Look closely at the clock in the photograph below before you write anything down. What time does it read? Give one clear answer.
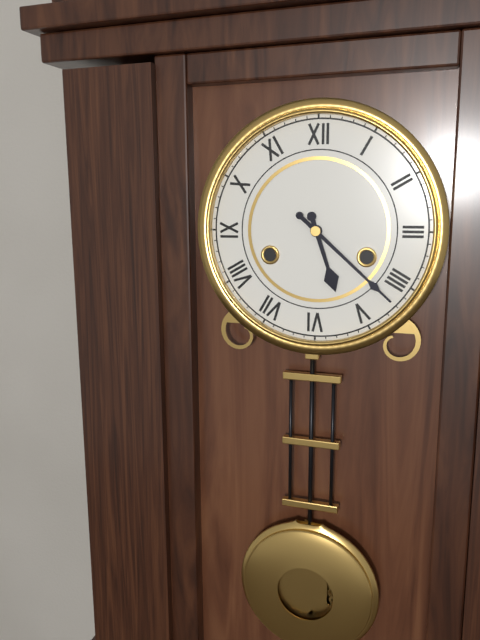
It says 5:22
